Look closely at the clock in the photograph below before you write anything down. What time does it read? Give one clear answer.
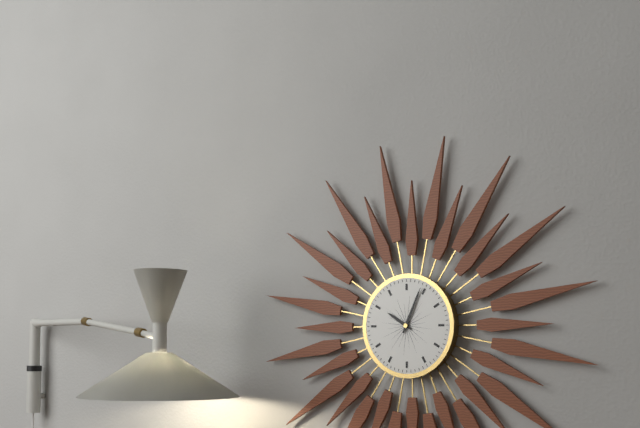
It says 10:04
